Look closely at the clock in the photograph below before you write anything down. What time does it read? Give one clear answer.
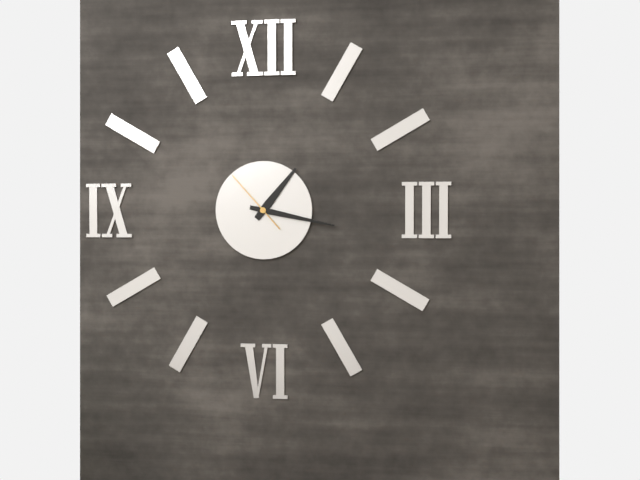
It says 1:17:53
